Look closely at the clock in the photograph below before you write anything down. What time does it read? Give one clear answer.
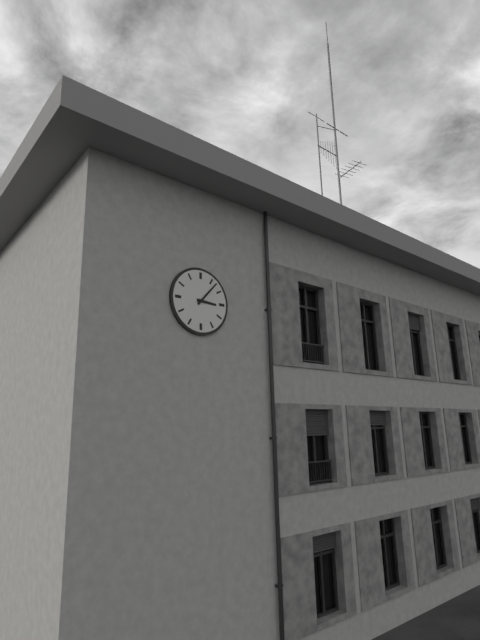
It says 3:07
